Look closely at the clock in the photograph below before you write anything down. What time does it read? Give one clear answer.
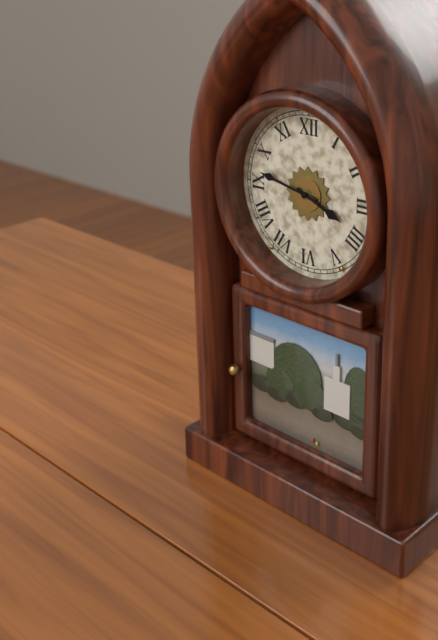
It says 3:47
